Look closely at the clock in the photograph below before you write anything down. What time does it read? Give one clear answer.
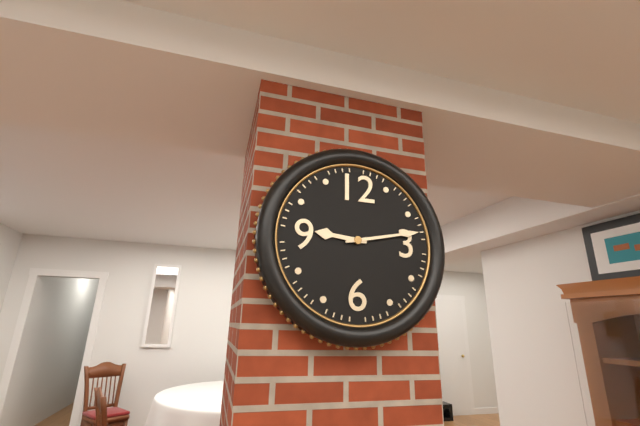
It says 9:13
